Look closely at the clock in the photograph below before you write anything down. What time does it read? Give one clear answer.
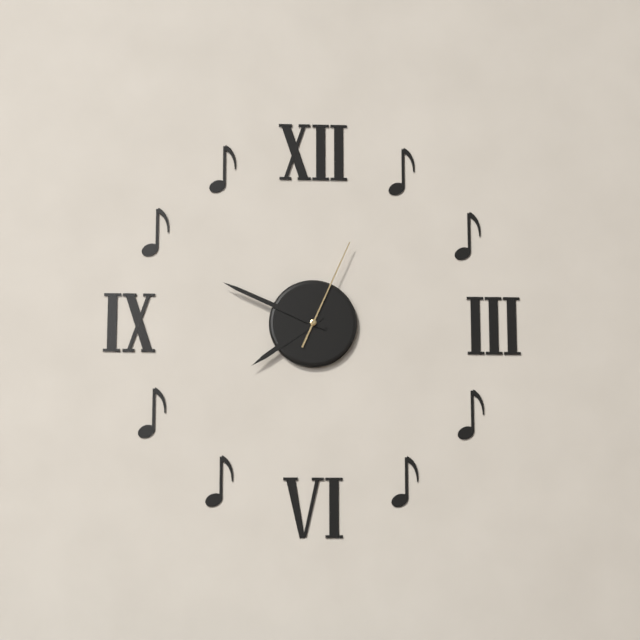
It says 7:49:04
